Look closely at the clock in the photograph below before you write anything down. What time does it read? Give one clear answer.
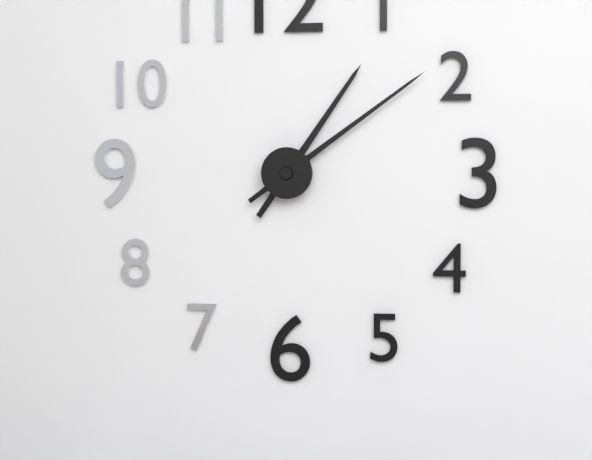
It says 1:09
